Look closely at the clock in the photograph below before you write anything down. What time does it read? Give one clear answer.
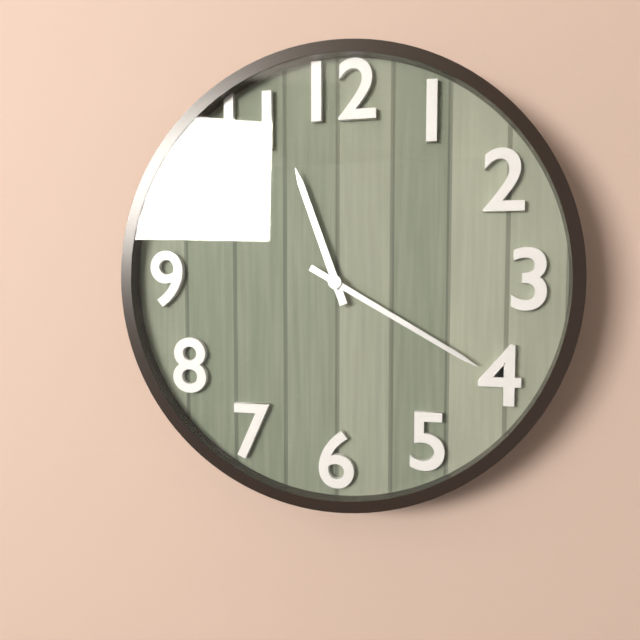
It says 11:20
